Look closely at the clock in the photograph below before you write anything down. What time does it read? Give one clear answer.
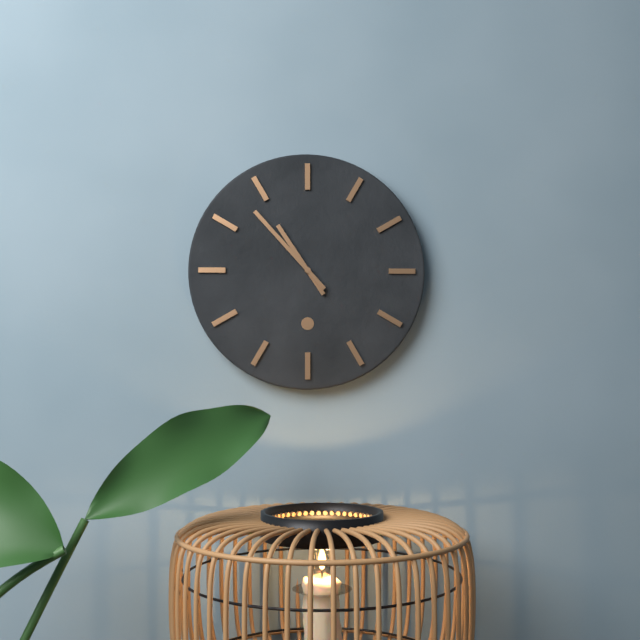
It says 10:53
